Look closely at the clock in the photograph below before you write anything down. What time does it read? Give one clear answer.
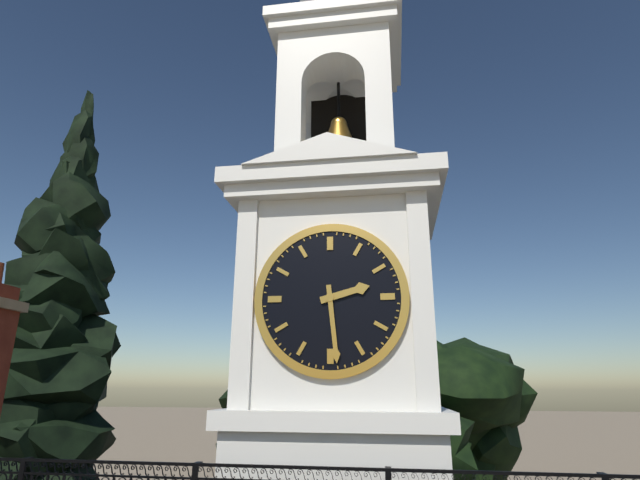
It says 2:29
